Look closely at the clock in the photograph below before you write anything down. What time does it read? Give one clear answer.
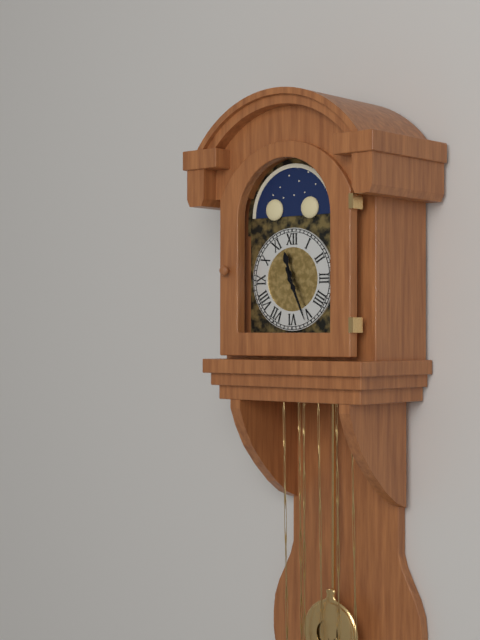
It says 11:26
